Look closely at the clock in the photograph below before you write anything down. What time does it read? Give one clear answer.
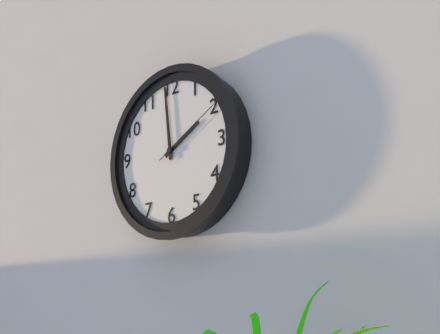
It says 1:59:10
